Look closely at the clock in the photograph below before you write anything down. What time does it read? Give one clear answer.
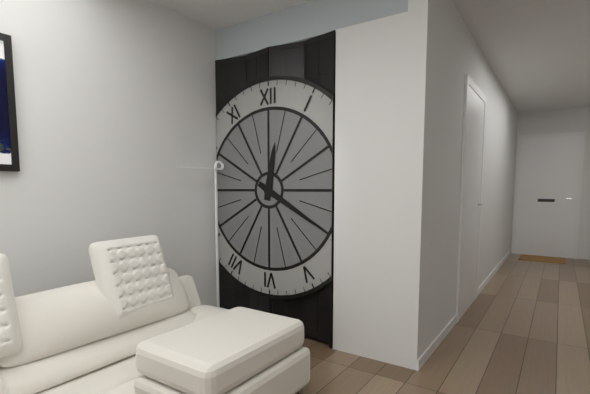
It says 12:20
